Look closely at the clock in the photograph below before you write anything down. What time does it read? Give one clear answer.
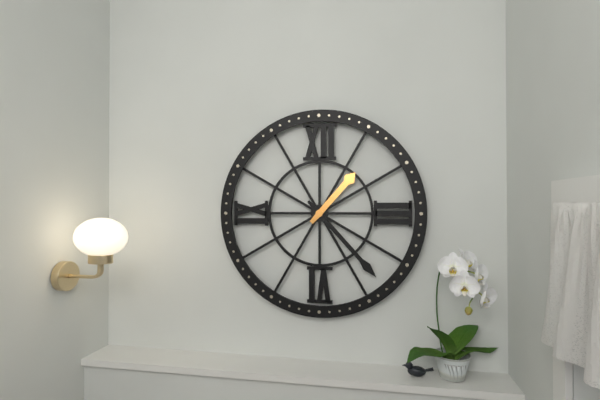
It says 1:23
